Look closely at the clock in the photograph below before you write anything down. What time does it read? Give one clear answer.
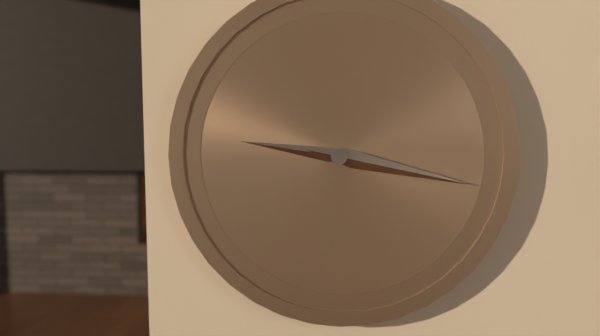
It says 9:17
